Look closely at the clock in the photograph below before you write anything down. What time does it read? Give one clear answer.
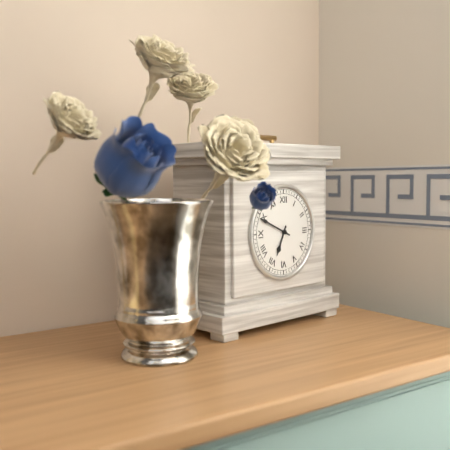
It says 6:49
